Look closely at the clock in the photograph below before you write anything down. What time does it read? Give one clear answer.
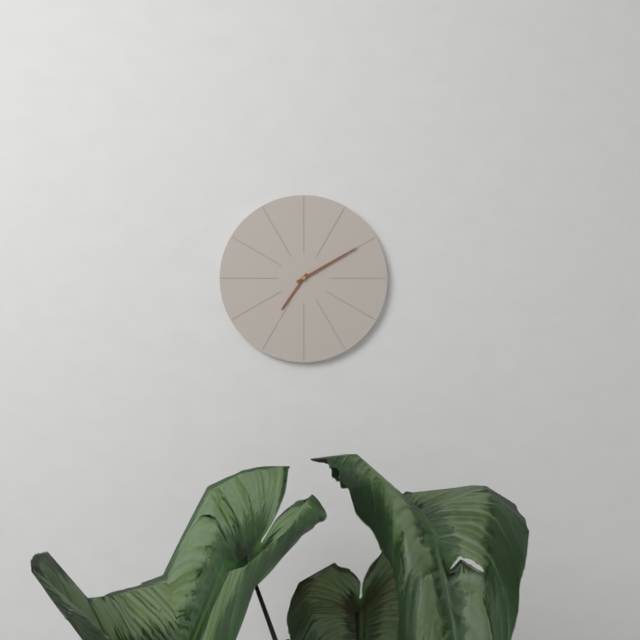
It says 7:10
